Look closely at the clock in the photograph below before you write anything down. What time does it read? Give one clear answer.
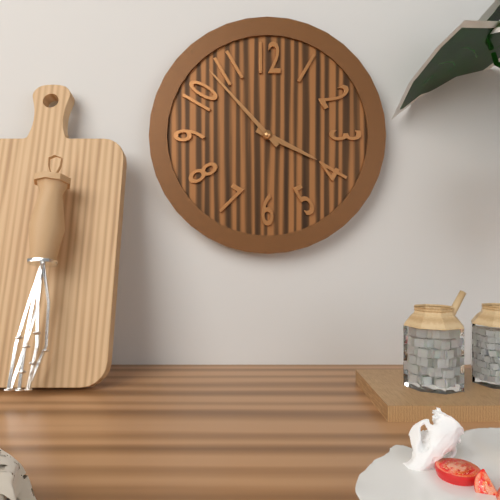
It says 3:53
